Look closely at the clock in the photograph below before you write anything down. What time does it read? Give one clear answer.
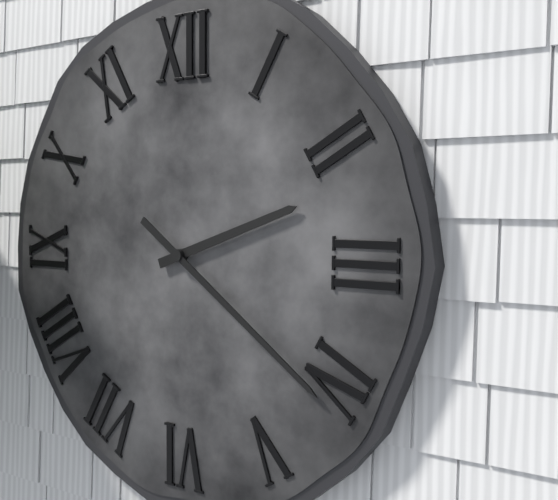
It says 2:21
